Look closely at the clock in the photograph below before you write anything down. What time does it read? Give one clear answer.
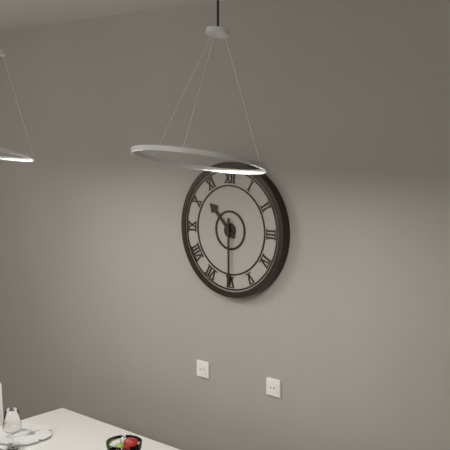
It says 10:30
